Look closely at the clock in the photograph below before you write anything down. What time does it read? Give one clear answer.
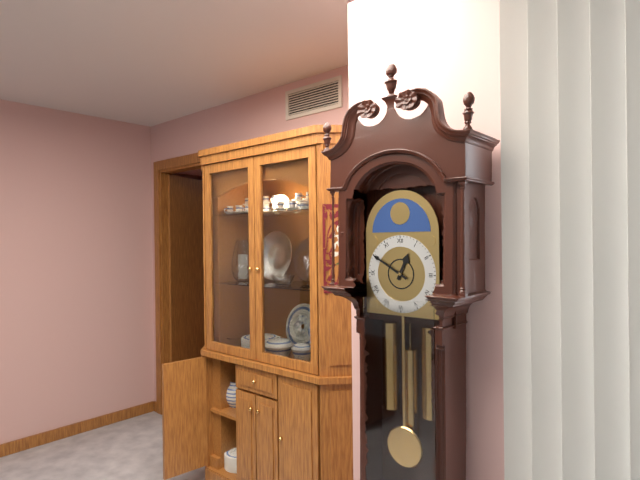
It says 12:50
